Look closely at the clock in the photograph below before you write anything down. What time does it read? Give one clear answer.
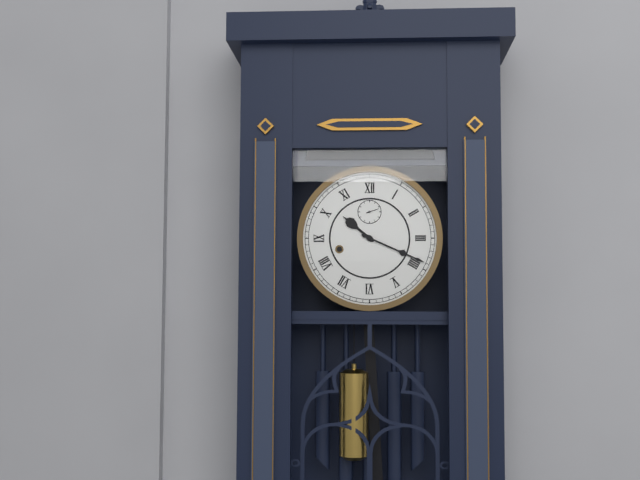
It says 10:19
